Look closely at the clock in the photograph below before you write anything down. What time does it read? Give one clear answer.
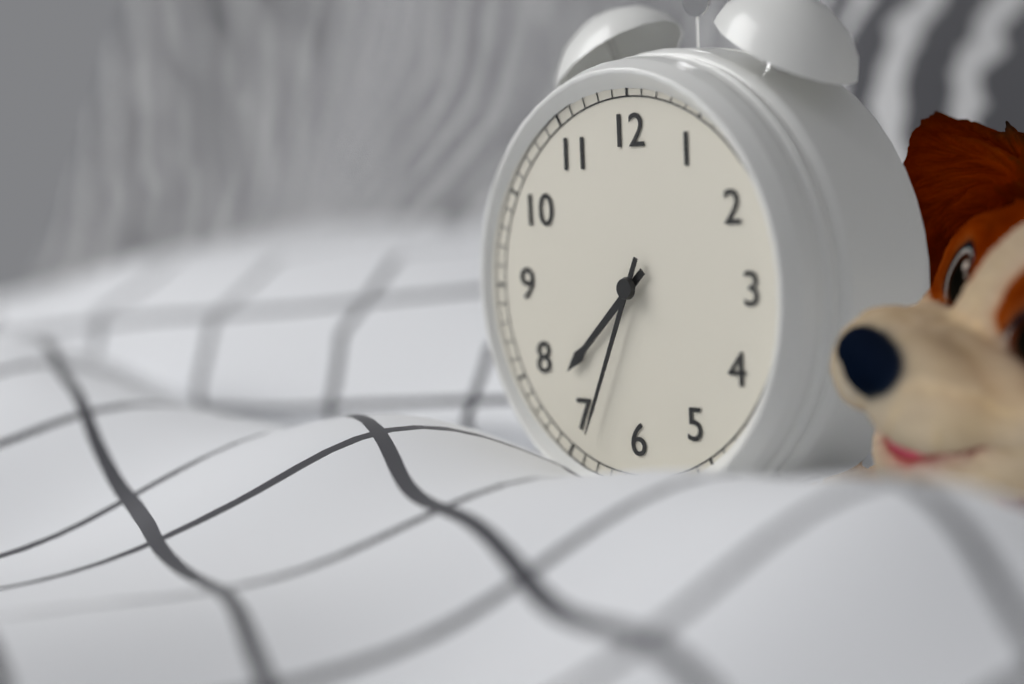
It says 7:34
